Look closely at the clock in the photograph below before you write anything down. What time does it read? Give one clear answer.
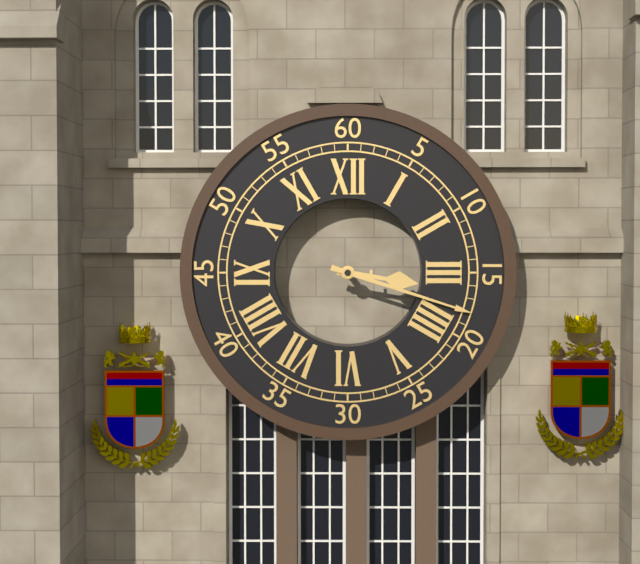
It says 3:18
